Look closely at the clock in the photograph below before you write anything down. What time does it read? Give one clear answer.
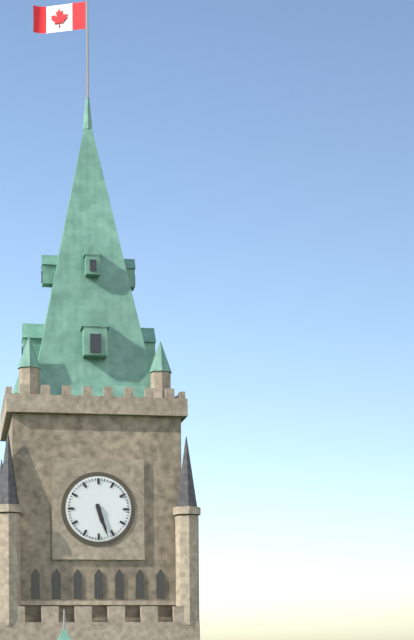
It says 5:27
